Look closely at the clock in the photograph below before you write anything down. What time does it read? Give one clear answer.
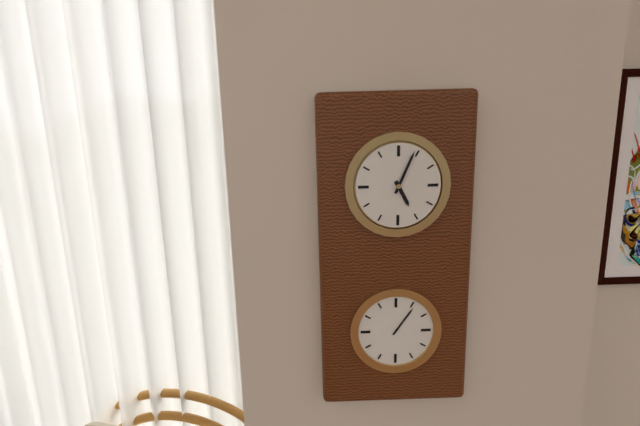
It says 5:04
